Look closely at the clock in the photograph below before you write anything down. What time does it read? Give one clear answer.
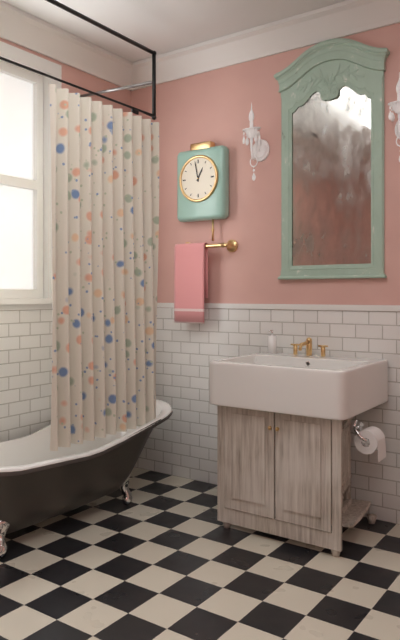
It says 12:58
